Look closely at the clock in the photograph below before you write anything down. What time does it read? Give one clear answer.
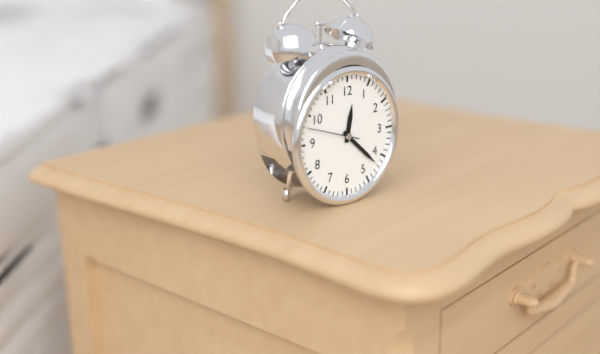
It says 12:22:48
